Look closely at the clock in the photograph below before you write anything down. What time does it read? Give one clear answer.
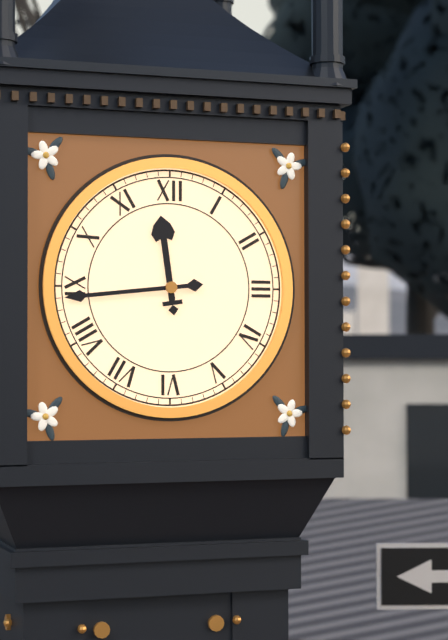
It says 11:44
